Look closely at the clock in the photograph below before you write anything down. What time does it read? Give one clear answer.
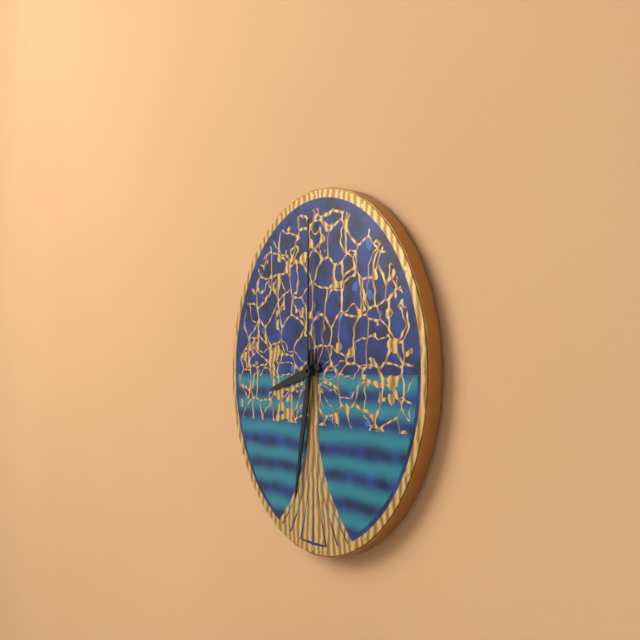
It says 8:32:00
